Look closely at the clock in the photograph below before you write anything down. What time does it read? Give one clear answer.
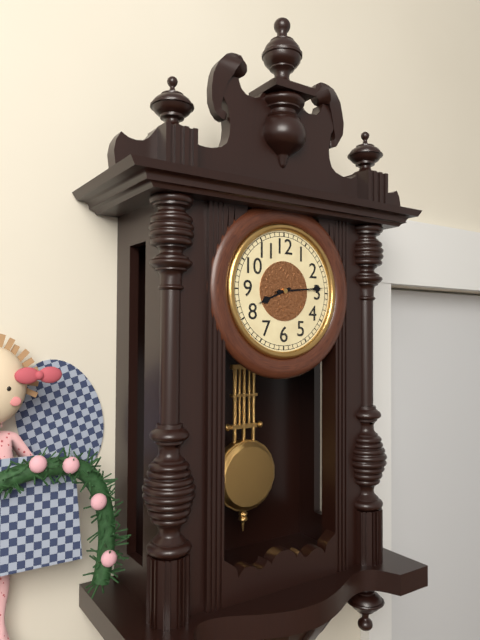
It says 8:14
